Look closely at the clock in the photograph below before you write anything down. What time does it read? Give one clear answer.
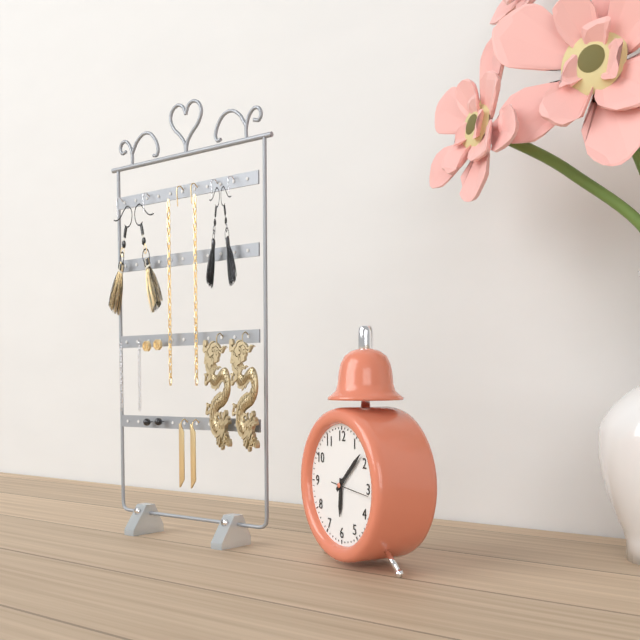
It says 6:08
